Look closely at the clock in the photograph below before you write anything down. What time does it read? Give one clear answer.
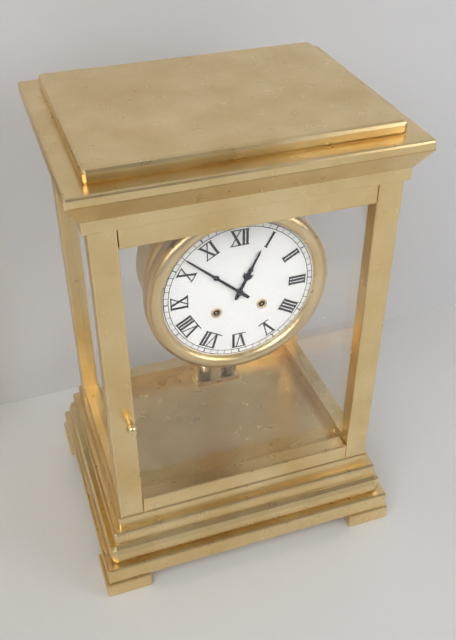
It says 12:52
